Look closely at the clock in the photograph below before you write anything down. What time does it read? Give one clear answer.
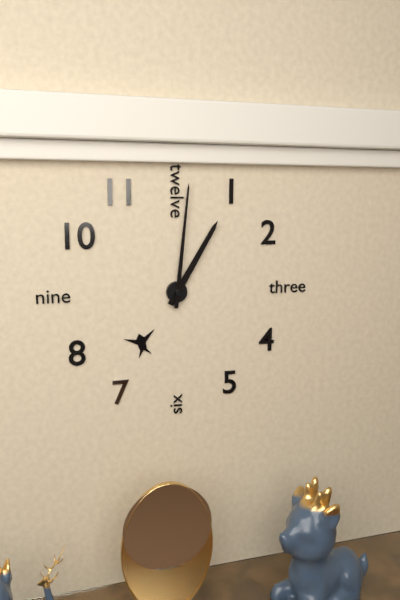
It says 1:01
